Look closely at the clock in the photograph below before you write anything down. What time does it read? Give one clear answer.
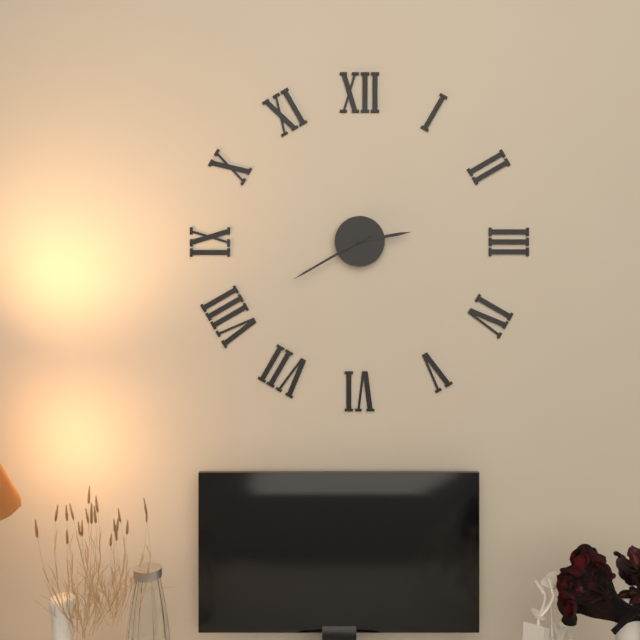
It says 2:40
